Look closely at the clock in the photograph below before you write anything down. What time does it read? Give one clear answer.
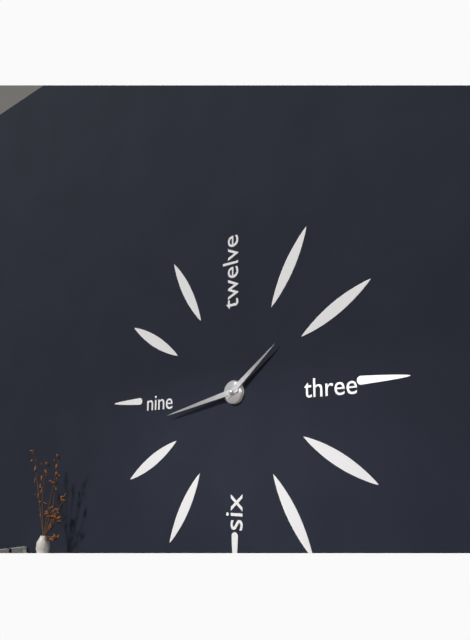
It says 1:43
